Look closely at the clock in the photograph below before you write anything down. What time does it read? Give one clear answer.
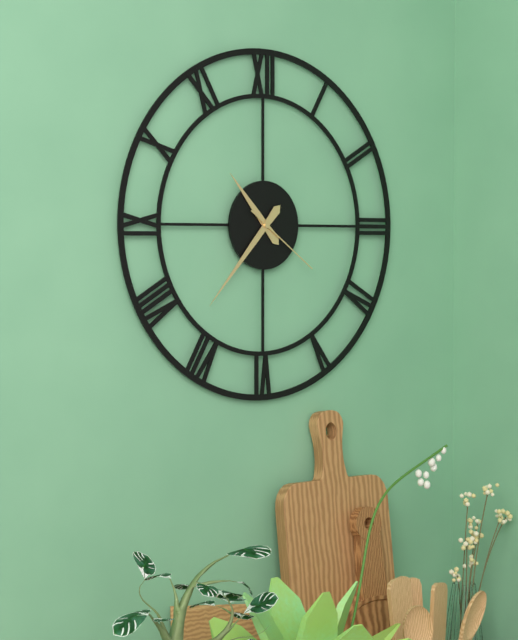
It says 10:37:21
